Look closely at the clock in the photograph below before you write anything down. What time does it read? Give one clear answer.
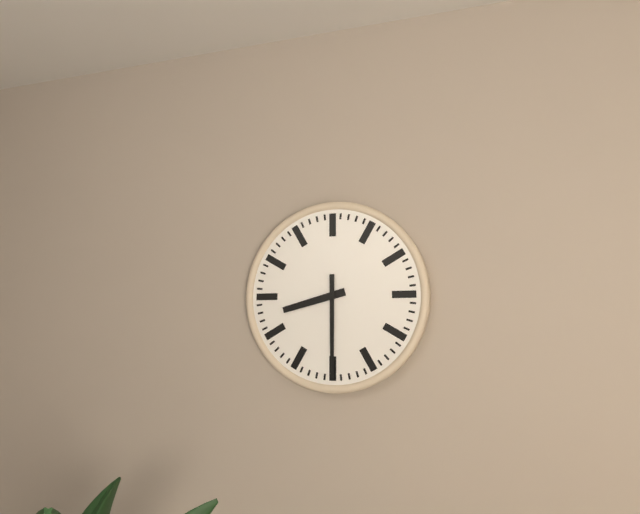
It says 8:30
